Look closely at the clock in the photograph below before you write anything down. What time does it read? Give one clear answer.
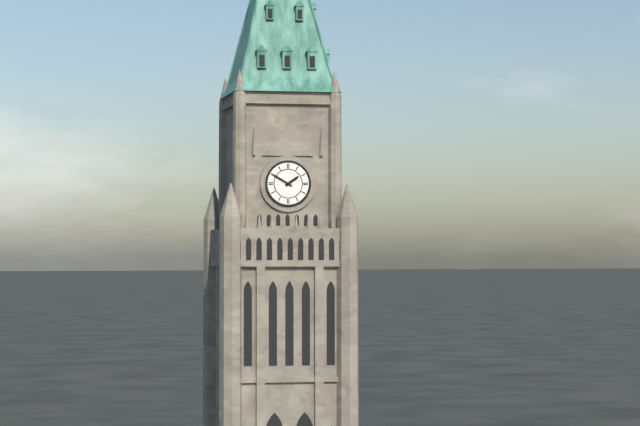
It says 1:50
